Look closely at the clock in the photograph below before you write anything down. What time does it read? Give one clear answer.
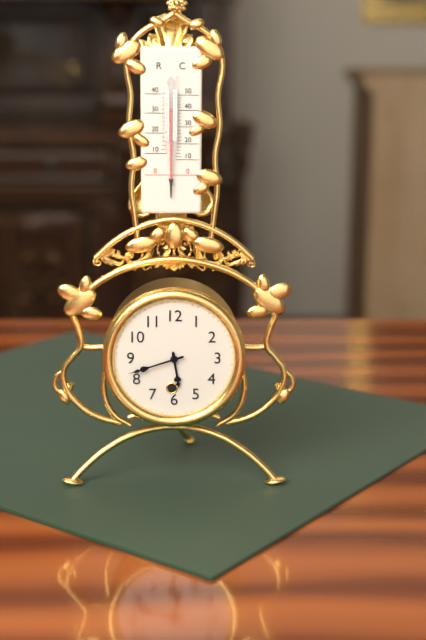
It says 5:42
